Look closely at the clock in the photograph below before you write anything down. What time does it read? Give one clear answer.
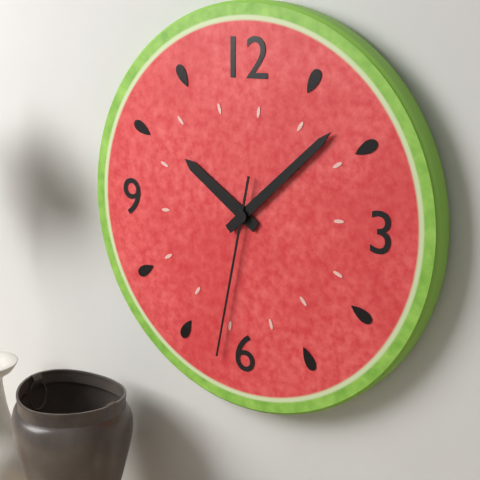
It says 10:08:32
